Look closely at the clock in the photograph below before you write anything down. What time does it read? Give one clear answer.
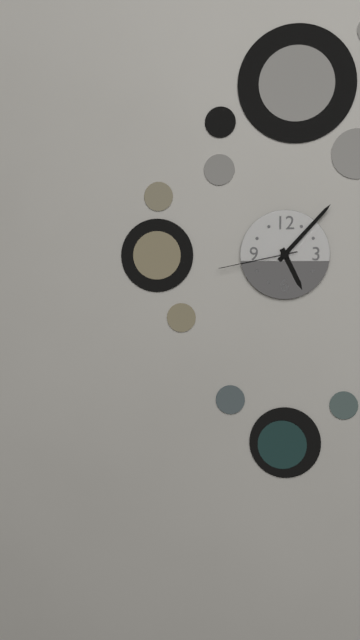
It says 5:07:43
